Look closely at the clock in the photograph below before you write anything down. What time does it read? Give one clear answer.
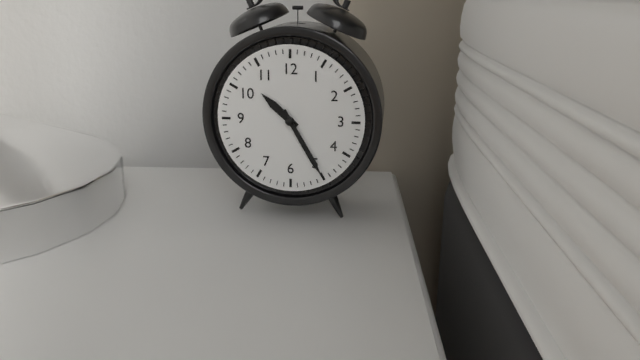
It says 10:25
